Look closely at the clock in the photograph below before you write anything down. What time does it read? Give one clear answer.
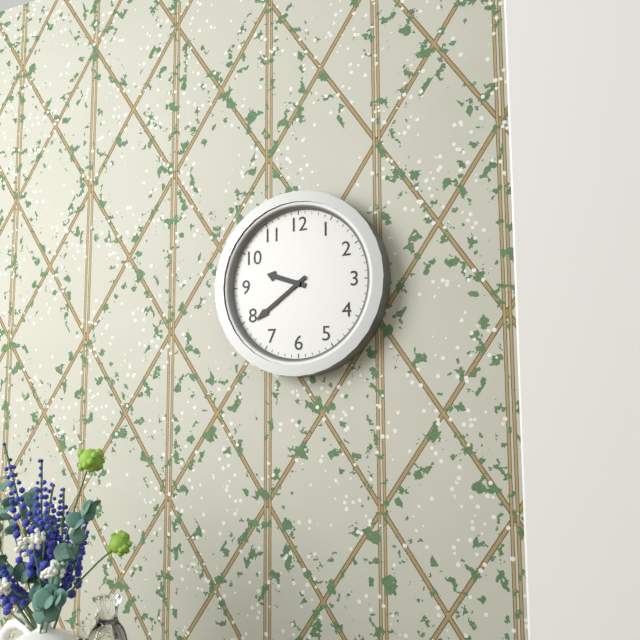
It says 9:39
